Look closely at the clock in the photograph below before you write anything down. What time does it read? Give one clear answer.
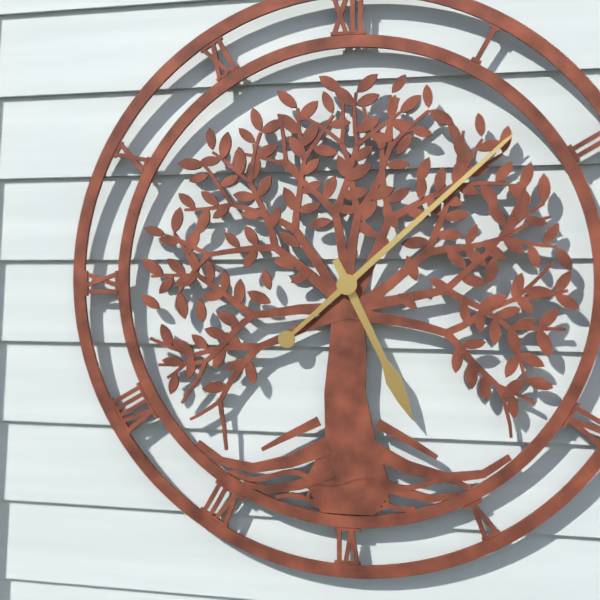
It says 5:08
